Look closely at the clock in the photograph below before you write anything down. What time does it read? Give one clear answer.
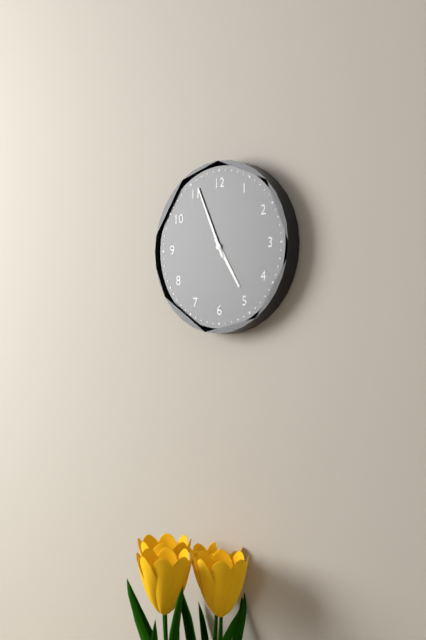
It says 4:56
